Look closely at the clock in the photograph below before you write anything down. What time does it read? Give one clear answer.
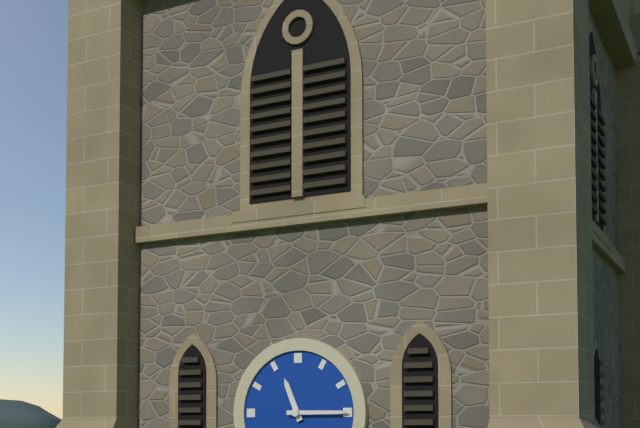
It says 11:15
